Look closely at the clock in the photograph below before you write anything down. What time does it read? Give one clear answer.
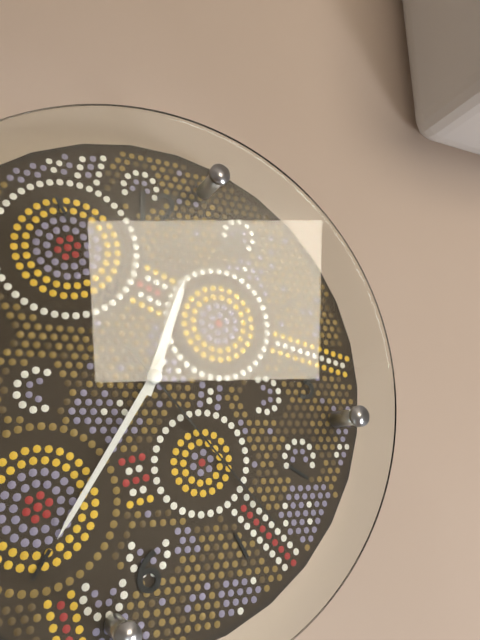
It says 12:35:23
